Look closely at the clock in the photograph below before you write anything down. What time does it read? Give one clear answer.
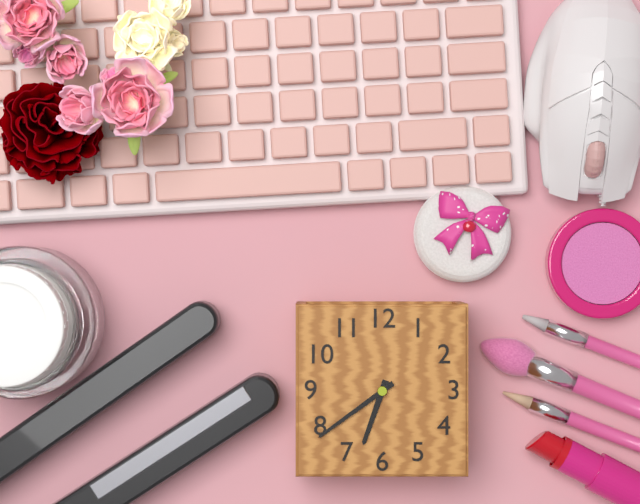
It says 6:39
